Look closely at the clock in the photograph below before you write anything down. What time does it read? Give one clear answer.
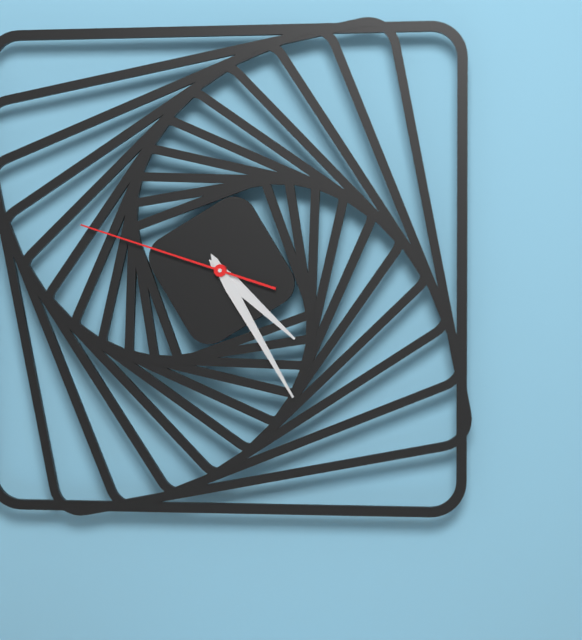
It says 4:25:48
